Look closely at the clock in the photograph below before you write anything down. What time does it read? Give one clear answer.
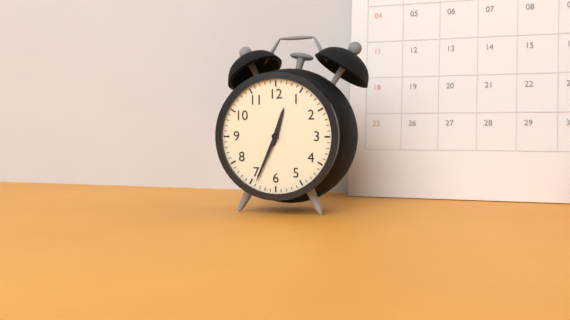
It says 12:34
